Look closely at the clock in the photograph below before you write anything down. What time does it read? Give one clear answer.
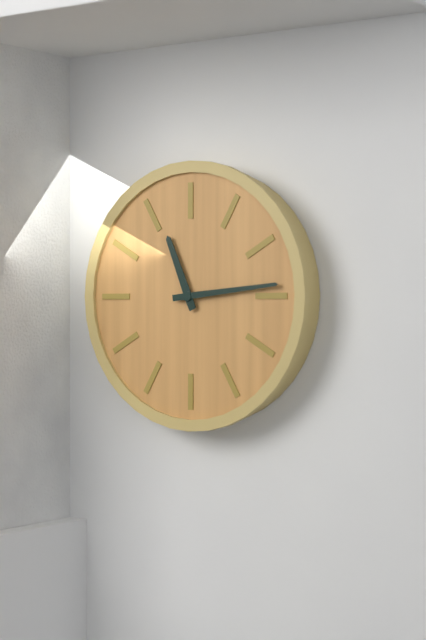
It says 11:14
